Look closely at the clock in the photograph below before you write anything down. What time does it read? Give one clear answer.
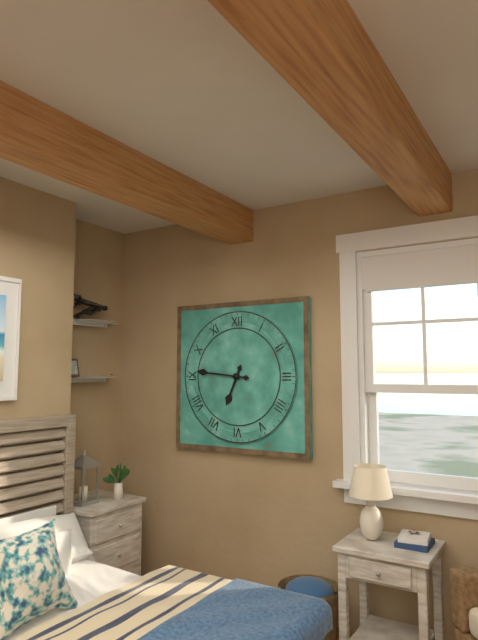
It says 6:46
